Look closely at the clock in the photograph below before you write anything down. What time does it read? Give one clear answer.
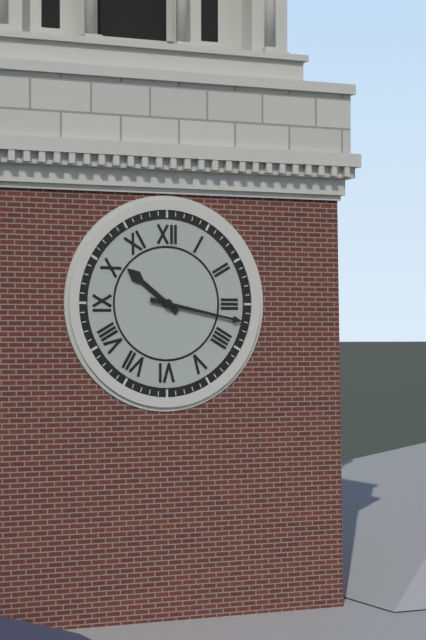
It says 10:17
